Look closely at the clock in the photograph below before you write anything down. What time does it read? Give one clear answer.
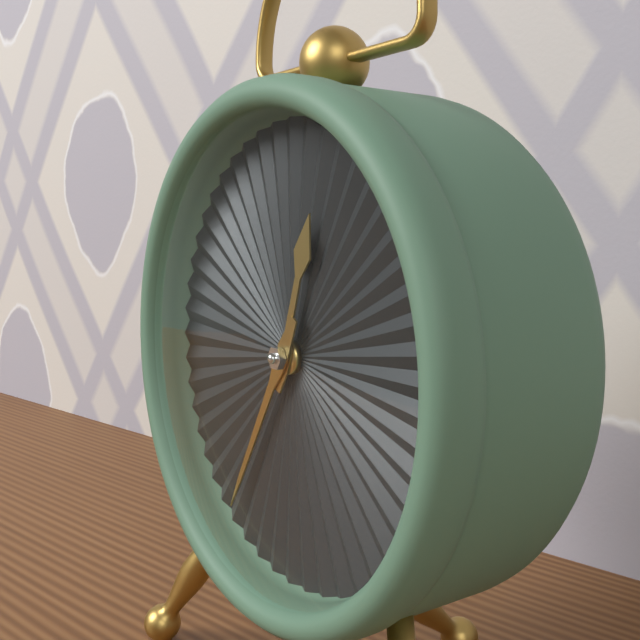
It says 12:35
